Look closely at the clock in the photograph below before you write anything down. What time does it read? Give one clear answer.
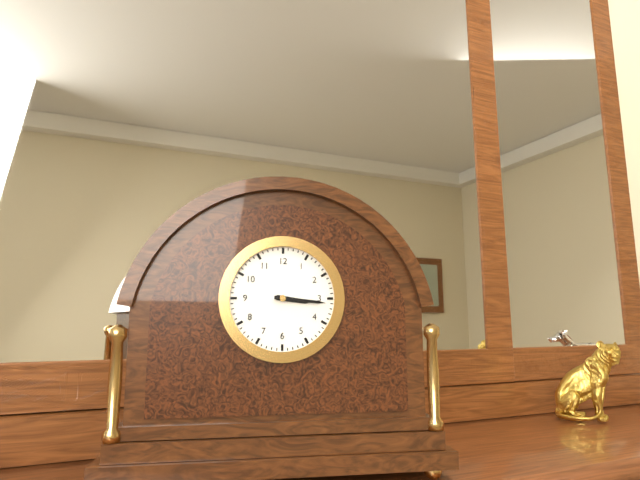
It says 3:16
